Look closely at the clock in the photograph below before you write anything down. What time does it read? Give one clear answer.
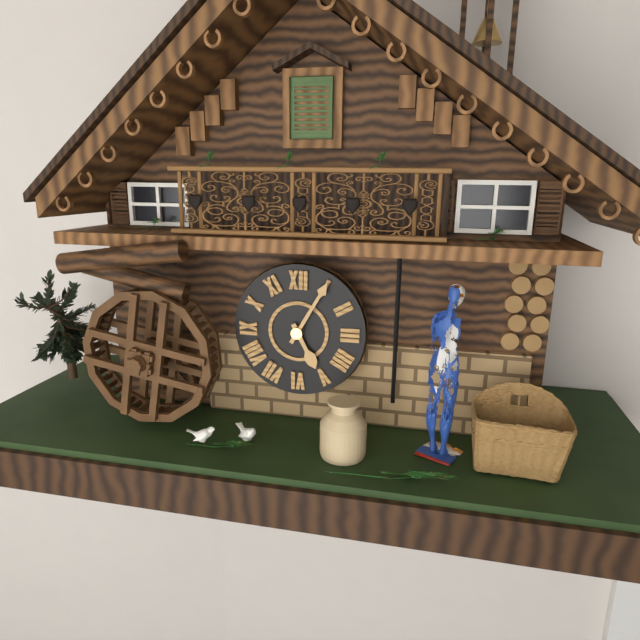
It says 5:05
